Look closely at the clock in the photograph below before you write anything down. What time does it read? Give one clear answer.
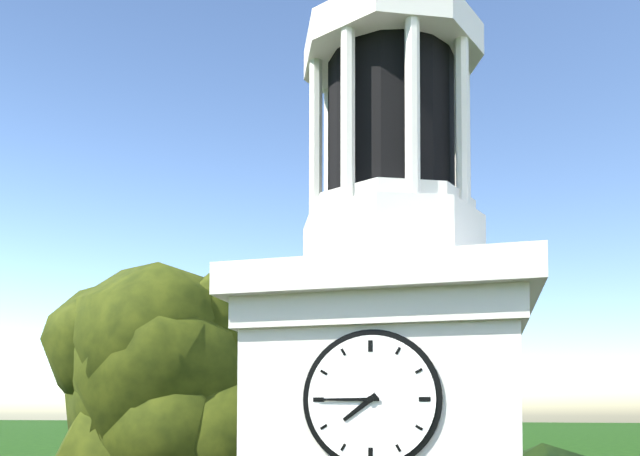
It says 7:45
